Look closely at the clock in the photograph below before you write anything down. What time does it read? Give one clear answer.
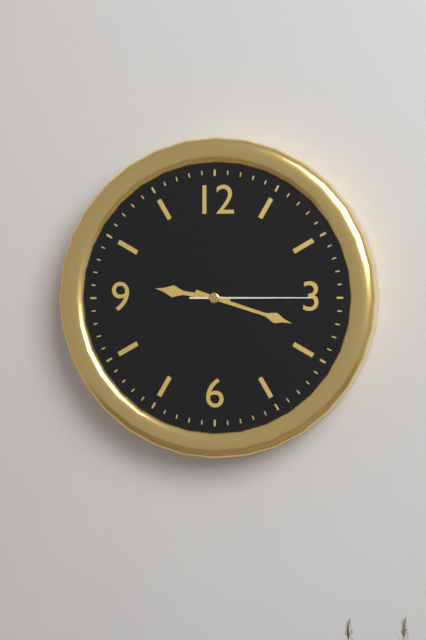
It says 9:18:15
